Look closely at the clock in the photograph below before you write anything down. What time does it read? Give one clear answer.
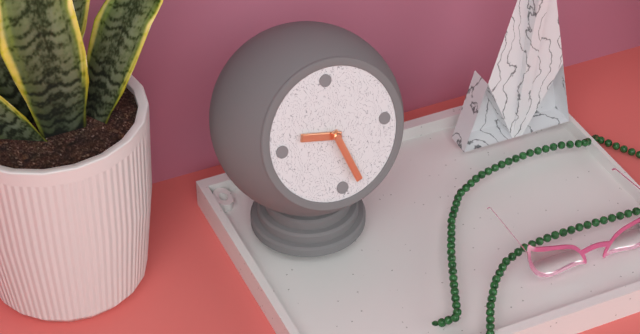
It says 9:27
